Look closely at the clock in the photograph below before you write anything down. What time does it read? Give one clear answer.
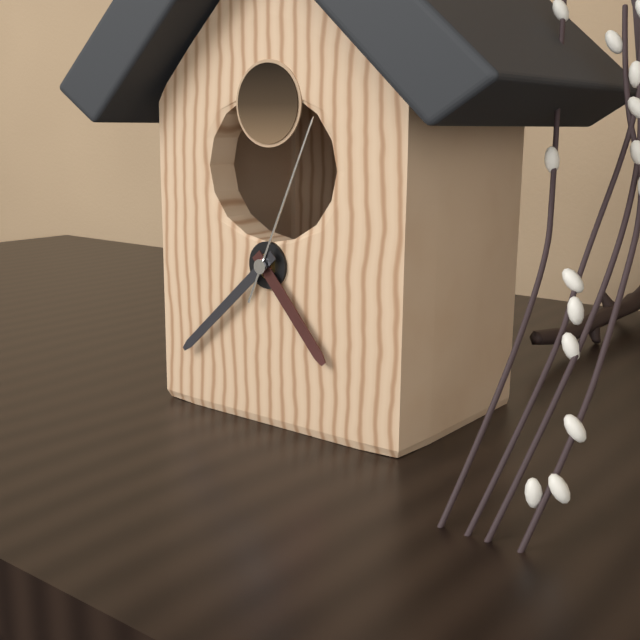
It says 4:38:04
